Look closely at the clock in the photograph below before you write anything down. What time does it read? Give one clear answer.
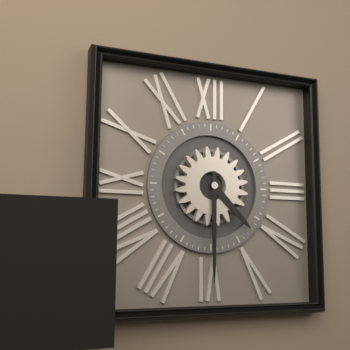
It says 4:30
